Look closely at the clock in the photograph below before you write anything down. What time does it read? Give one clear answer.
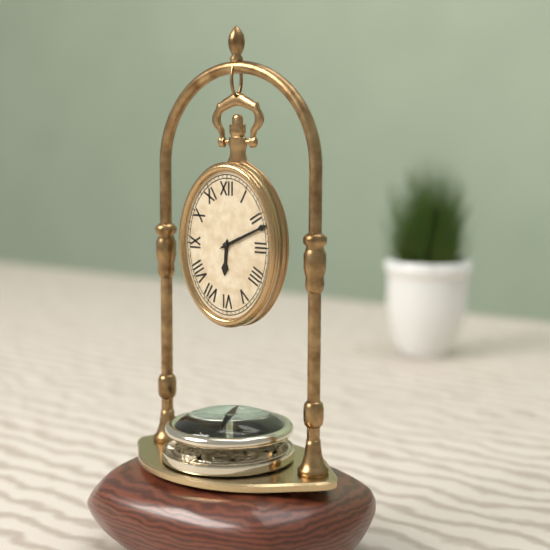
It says 6:11
